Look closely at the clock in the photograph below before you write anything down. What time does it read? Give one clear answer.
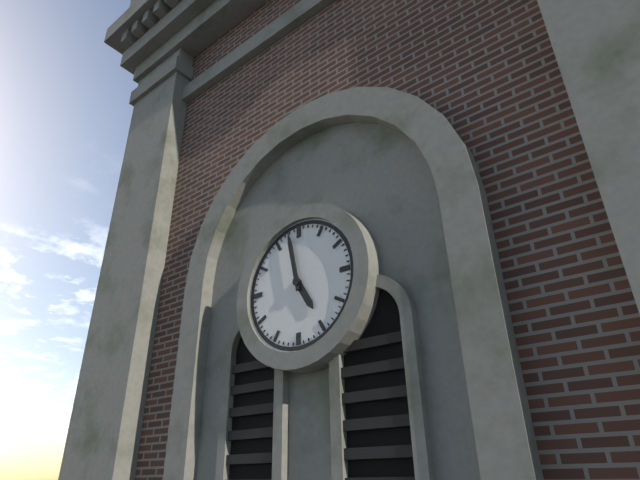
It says 4:58
